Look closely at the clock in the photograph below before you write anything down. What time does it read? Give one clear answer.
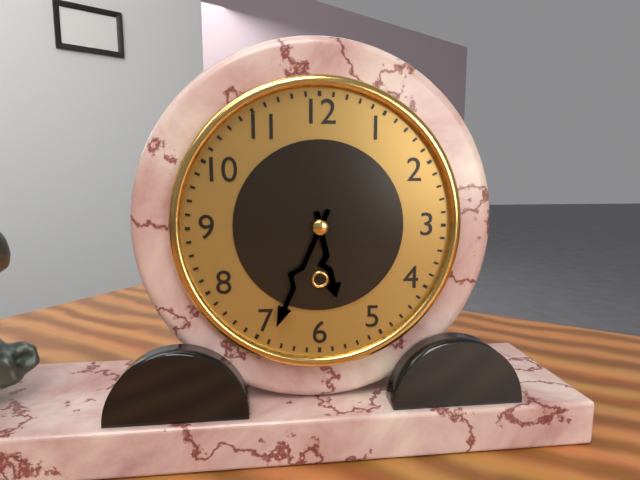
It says 5:34
